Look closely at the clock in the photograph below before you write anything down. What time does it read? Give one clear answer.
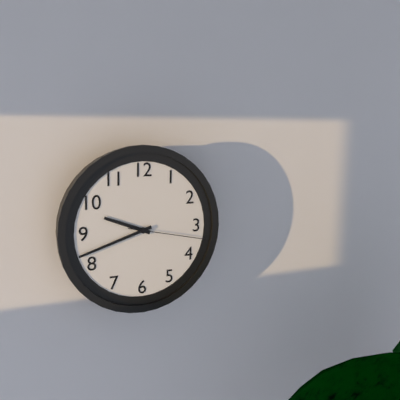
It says 9:42:17
